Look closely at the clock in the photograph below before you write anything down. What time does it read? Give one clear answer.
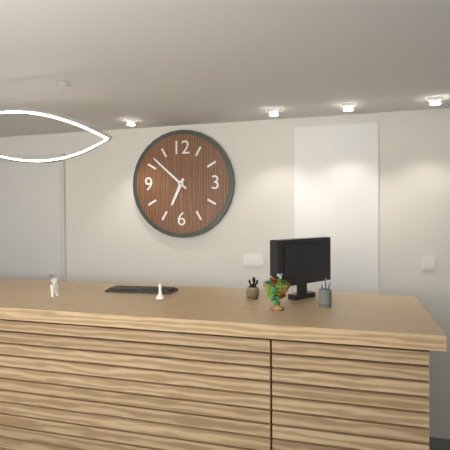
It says 6:52
